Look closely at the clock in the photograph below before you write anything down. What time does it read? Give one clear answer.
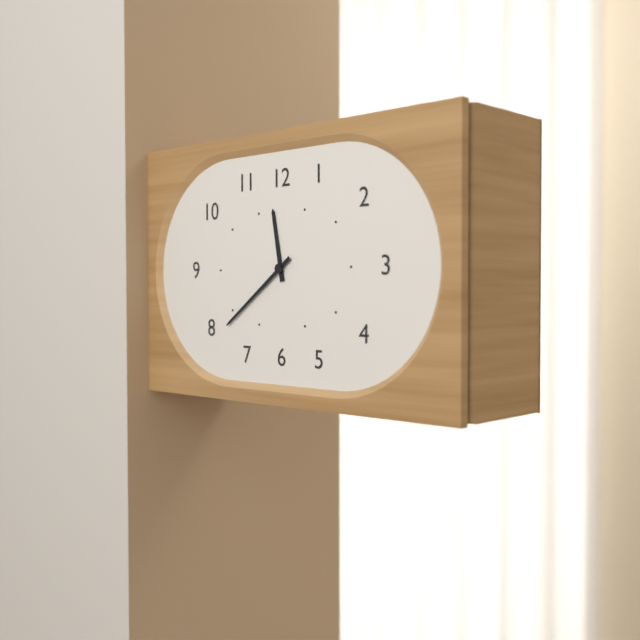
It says 11:39
